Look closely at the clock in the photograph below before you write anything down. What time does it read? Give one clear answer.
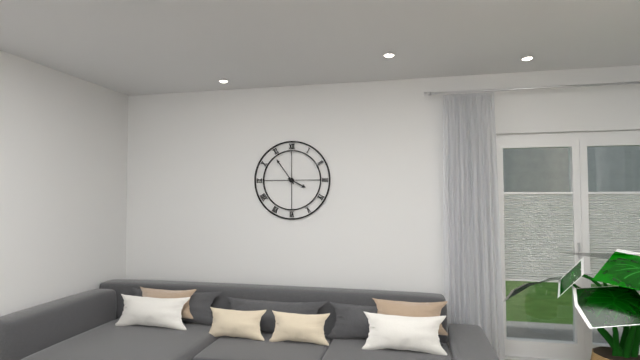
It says 3:54
